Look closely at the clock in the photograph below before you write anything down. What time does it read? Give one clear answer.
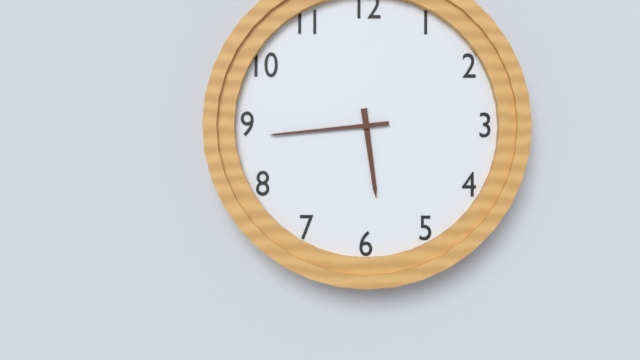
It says 5:44
